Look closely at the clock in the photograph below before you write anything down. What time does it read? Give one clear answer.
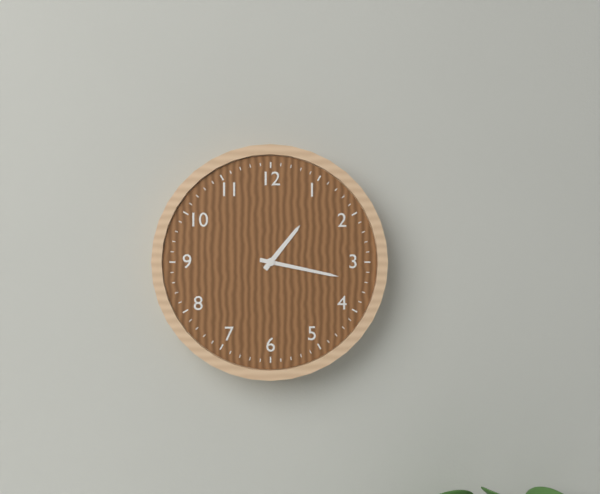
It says 1:17
